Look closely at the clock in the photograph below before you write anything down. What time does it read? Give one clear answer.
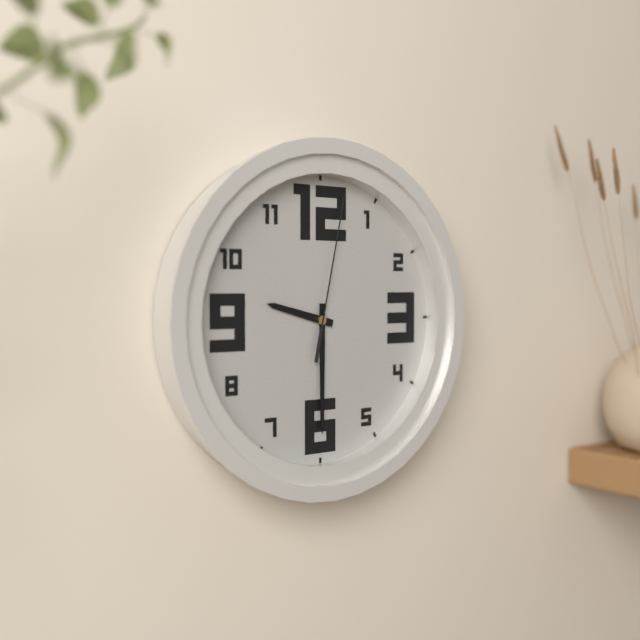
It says 9:30:02
